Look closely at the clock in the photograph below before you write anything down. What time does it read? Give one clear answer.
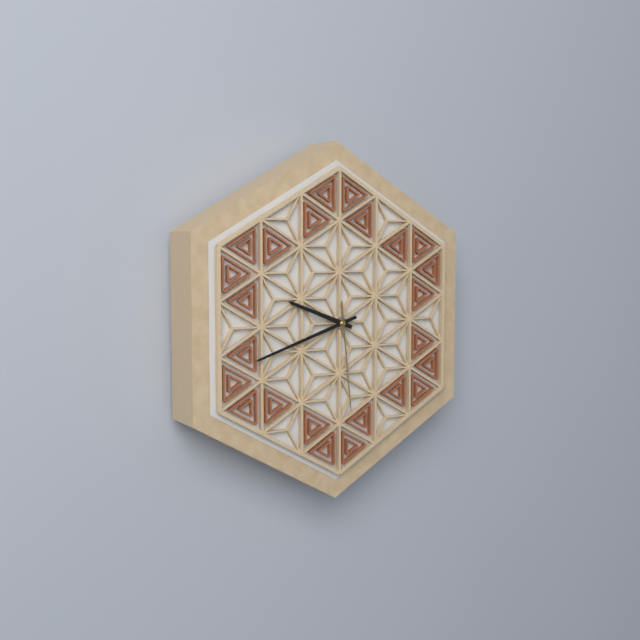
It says 9:42:29
